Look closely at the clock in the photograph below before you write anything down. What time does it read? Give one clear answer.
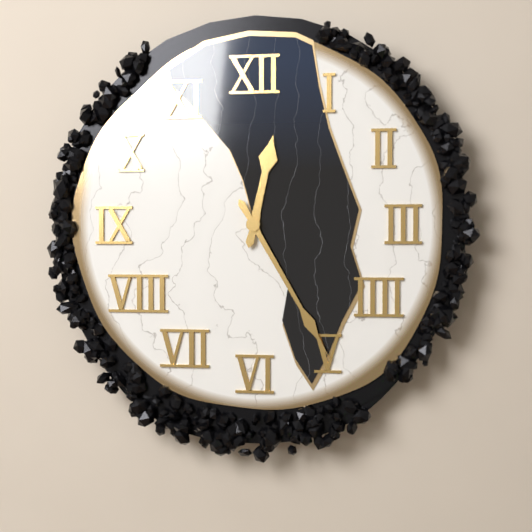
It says 12:25
